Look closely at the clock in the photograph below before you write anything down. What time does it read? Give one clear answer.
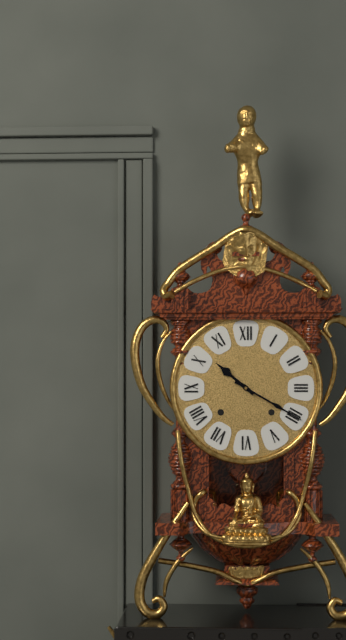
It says 10:20
